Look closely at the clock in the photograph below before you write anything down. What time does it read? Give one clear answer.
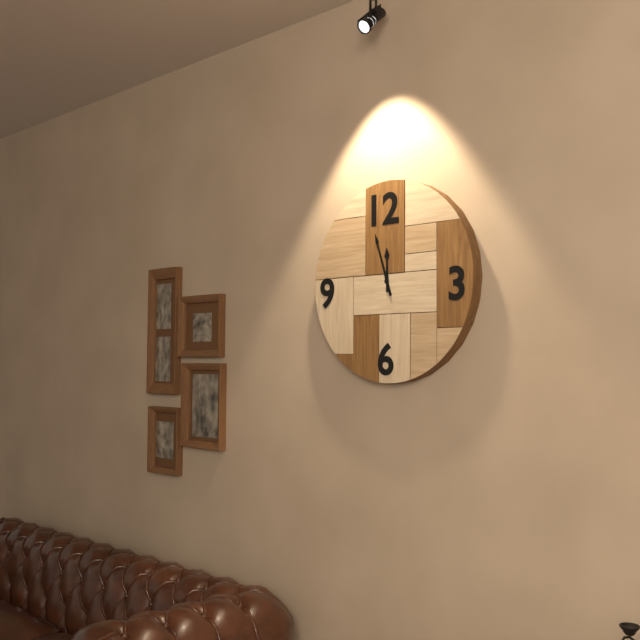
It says 11:57
